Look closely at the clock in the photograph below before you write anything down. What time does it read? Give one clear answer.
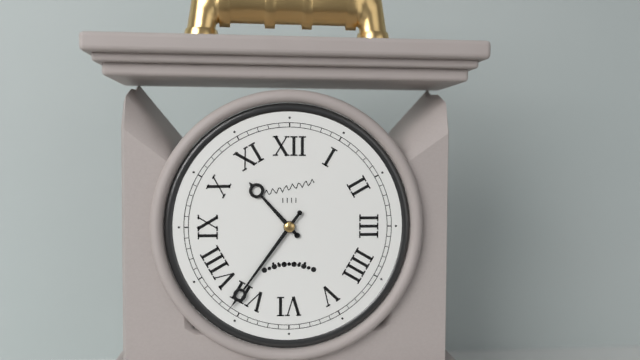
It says 10:36
